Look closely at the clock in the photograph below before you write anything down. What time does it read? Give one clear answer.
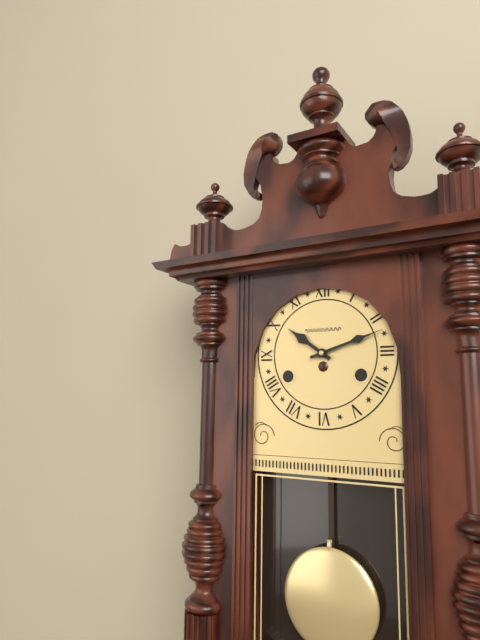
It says 10:12
